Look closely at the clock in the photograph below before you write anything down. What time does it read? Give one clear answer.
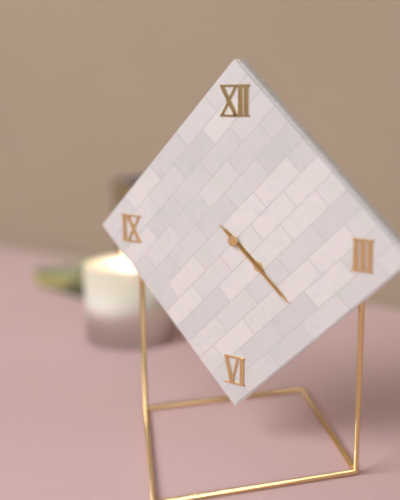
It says 4:22:22
